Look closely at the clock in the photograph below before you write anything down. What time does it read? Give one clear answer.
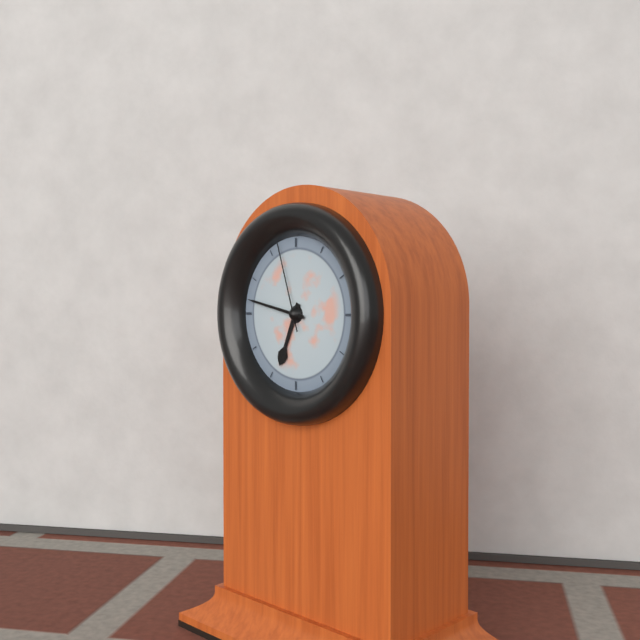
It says 6:47:57
